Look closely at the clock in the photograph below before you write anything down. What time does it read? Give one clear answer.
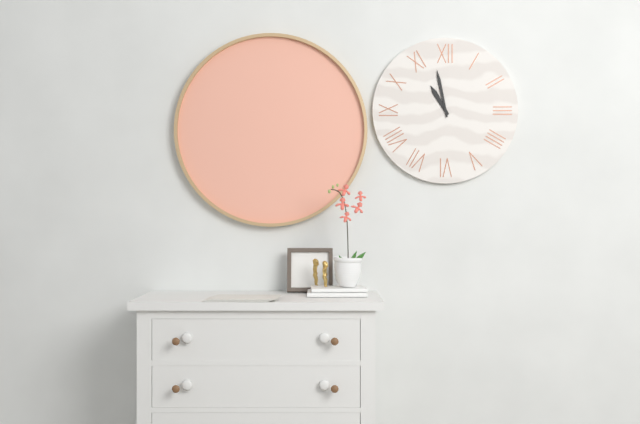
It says 10:58
